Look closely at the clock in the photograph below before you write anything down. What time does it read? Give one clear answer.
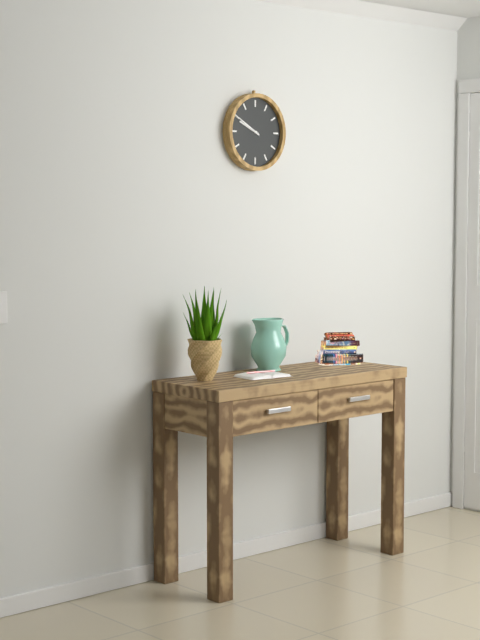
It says 9:50
